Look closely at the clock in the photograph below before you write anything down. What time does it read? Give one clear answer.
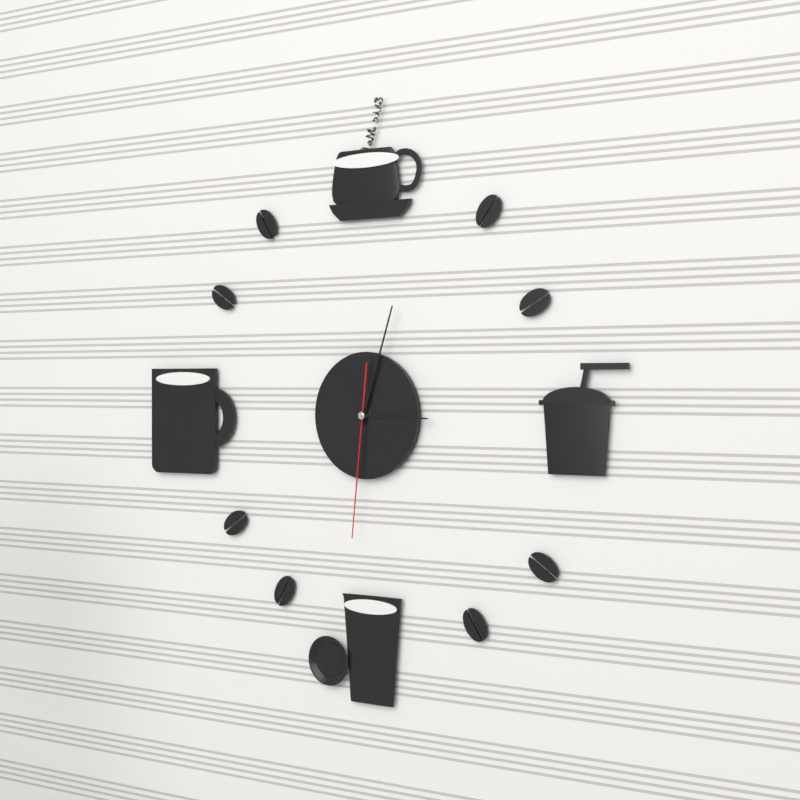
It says 3:03:31
